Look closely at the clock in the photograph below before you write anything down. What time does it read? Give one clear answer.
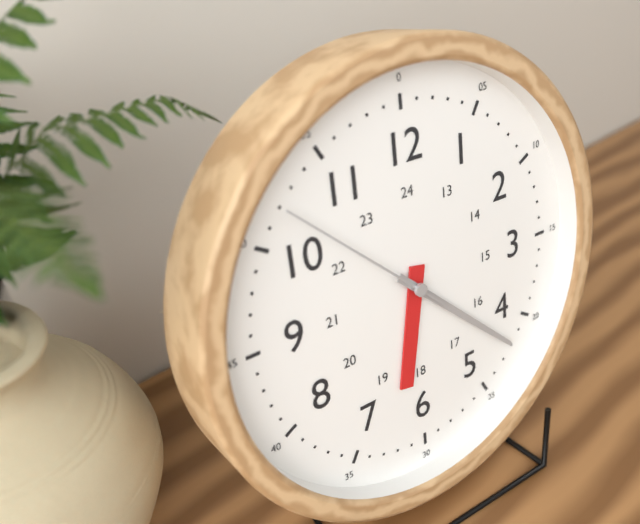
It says 6:22:52
